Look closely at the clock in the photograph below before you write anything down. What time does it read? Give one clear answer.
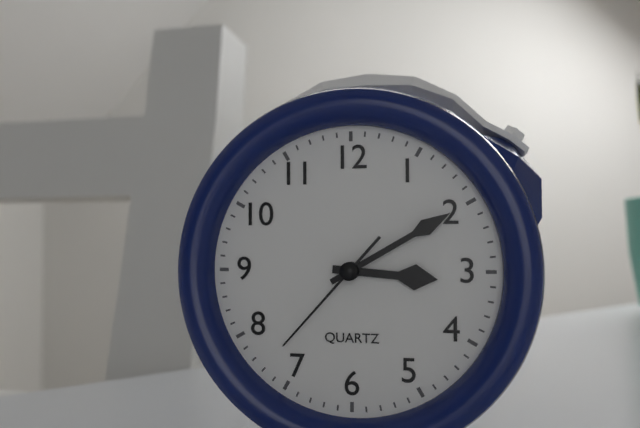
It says 3:10:37
